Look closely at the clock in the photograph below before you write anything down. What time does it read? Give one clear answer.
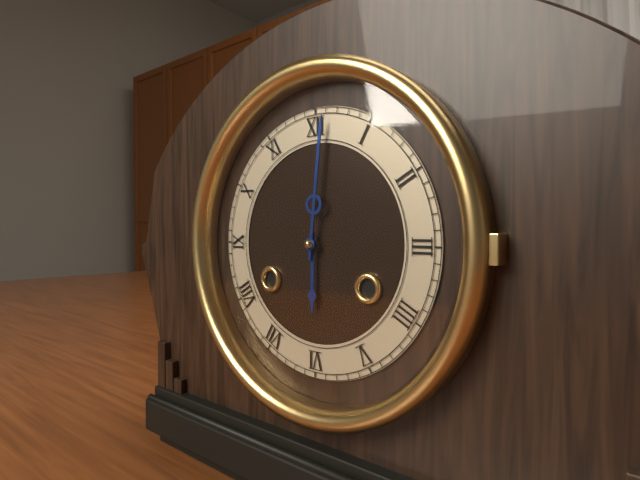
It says 6:01
